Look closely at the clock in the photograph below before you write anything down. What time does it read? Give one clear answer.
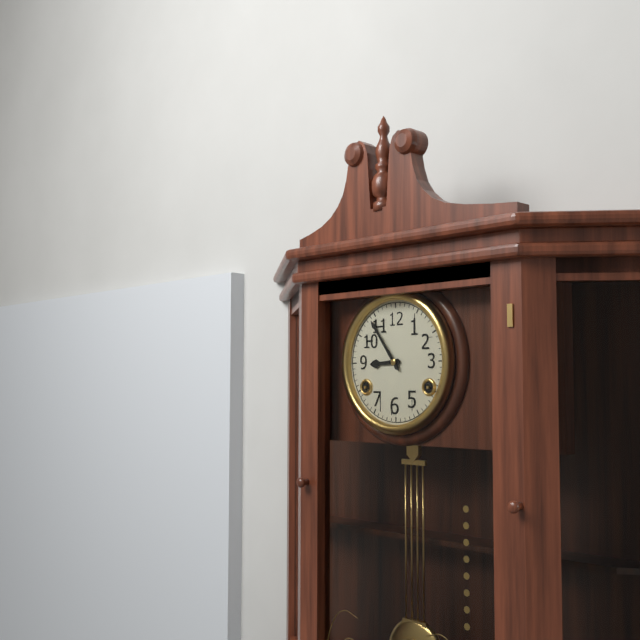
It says 8:54
